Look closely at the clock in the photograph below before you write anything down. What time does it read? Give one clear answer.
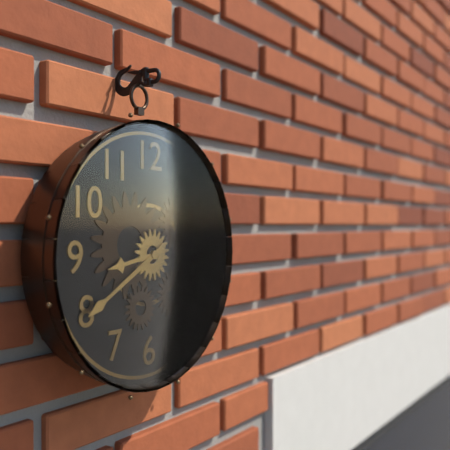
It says 8:40
